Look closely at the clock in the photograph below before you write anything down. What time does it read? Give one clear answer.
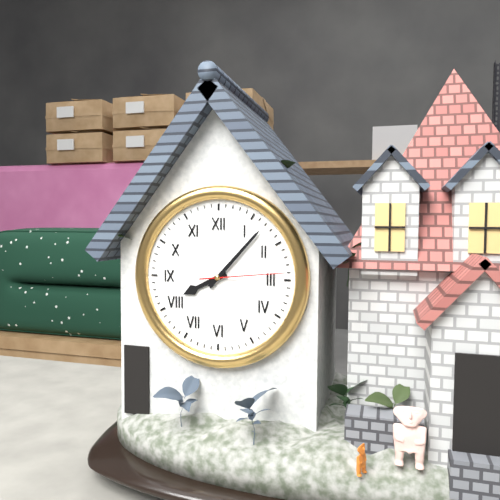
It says 8:07:14
